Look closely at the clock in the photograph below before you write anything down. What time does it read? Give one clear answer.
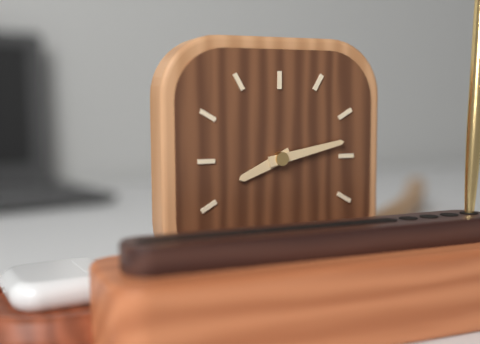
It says 8:13
